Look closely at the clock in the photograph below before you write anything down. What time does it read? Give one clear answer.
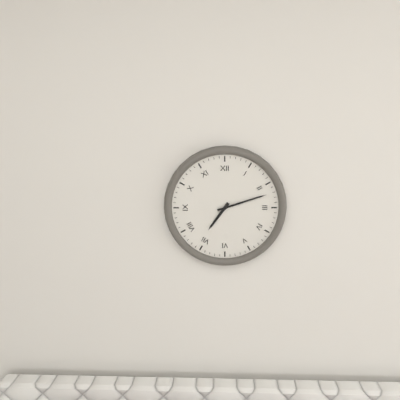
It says 7:12
